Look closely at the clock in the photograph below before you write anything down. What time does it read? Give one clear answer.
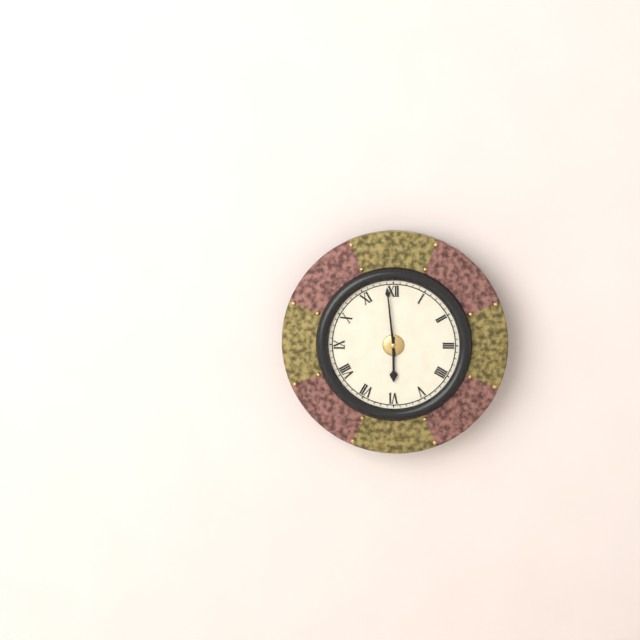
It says 5:59
